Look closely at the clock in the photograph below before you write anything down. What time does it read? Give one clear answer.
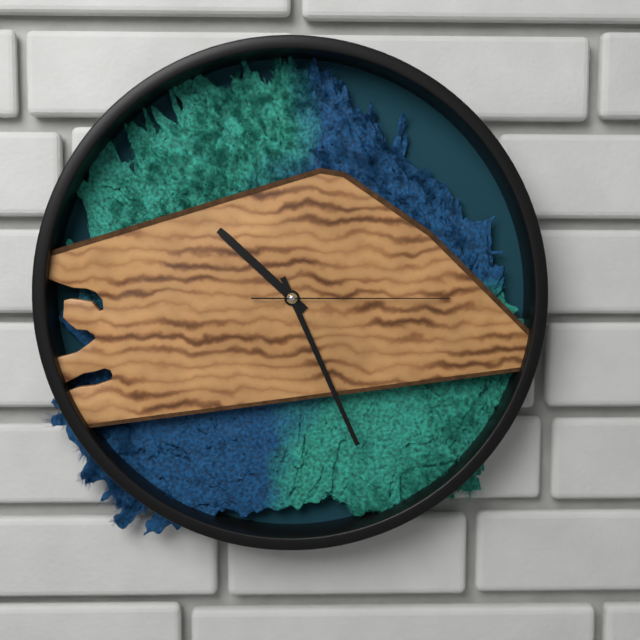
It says 10:26:15
